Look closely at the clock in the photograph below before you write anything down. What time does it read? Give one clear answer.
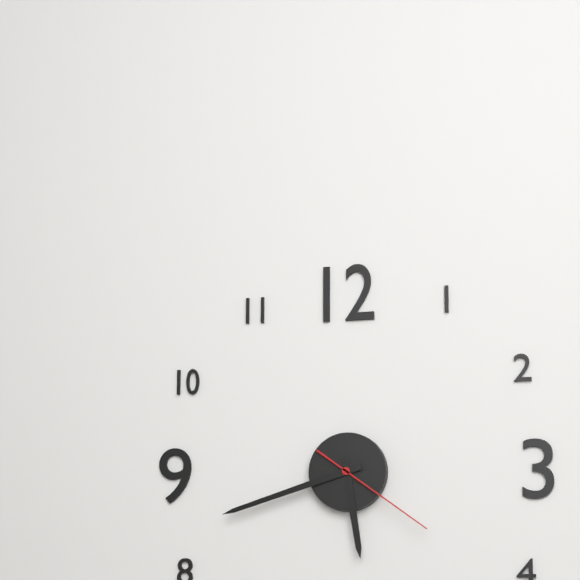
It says 5:42:21
